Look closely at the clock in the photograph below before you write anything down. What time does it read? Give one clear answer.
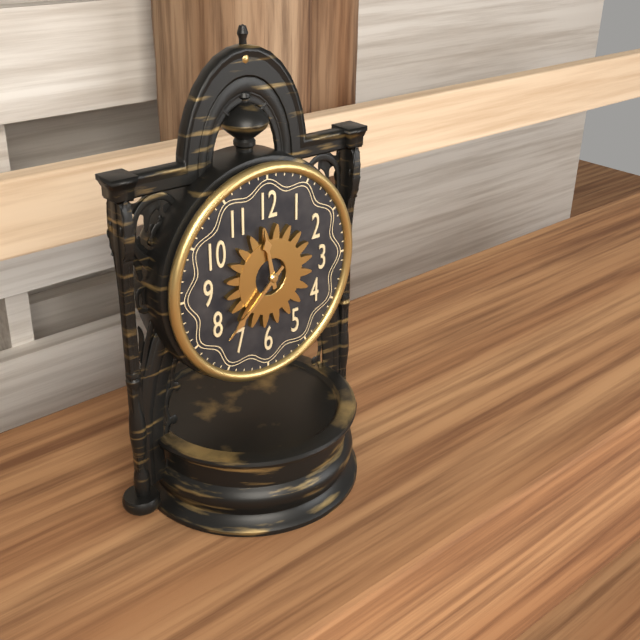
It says 11:38
